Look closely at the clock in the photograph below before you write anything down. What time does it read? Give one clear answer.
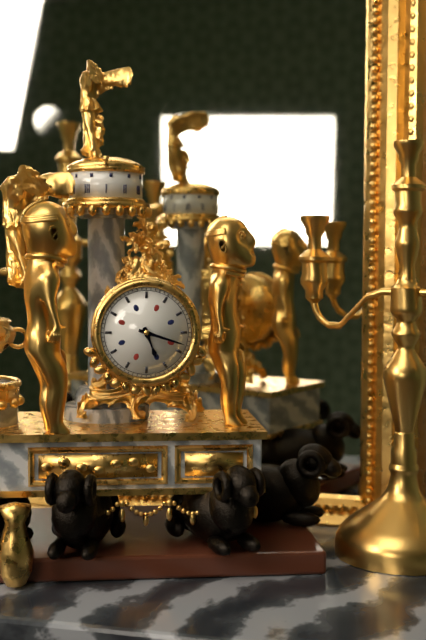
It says 5:18
